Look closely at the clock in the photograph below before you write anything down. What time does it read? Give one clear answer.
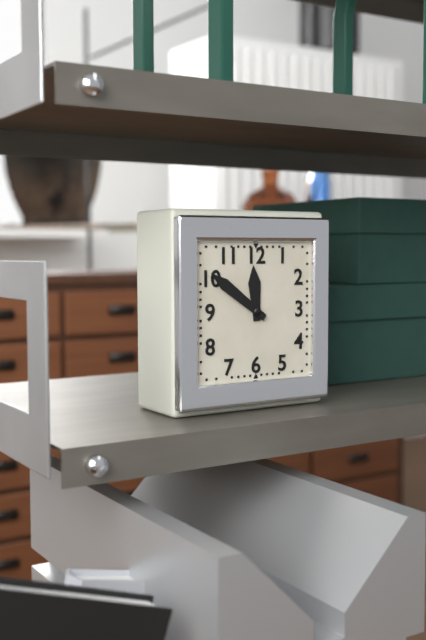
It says 11:51
